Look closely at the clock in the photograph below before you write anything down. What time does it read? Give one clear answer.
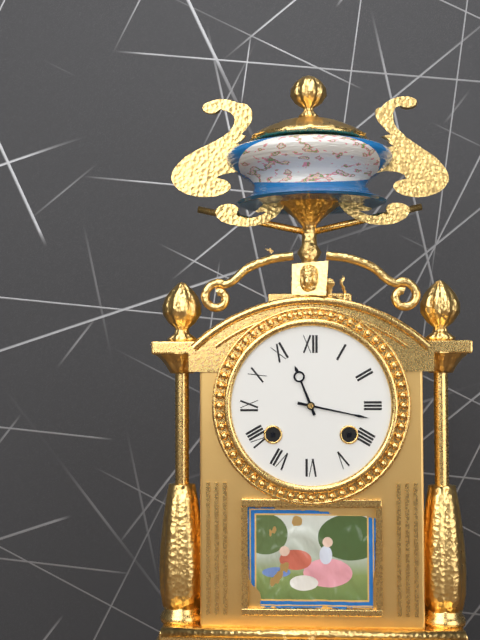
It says 11:17
